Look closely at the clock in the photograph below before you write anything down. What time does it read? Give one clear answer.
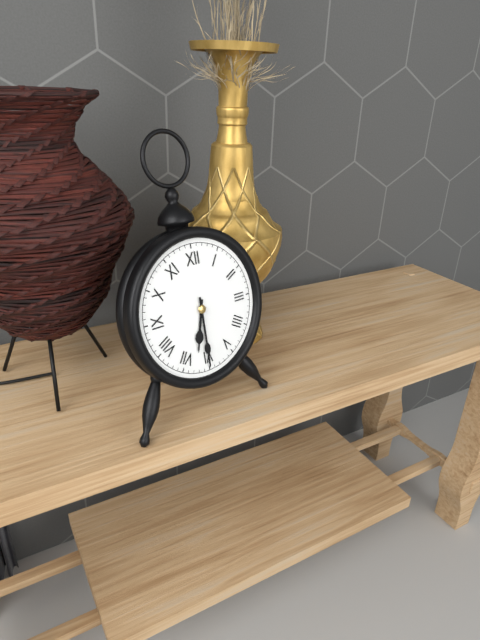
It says 6:30
